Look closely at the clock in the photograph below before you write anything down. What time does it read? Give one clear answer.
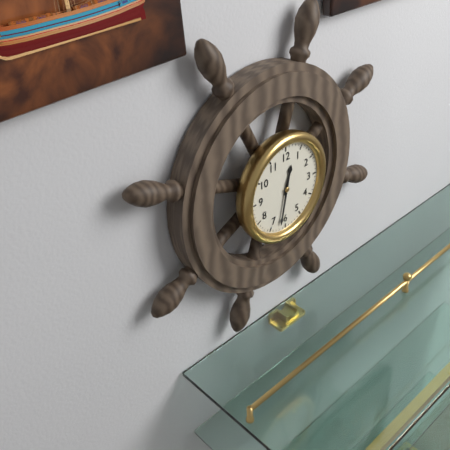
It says 12:32
